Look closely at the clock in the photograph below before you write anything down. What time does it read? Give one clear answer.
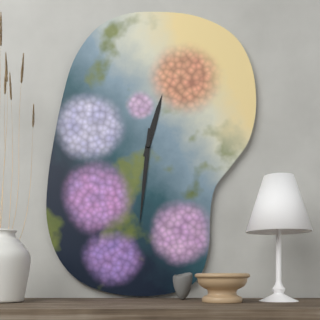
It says 12:31
